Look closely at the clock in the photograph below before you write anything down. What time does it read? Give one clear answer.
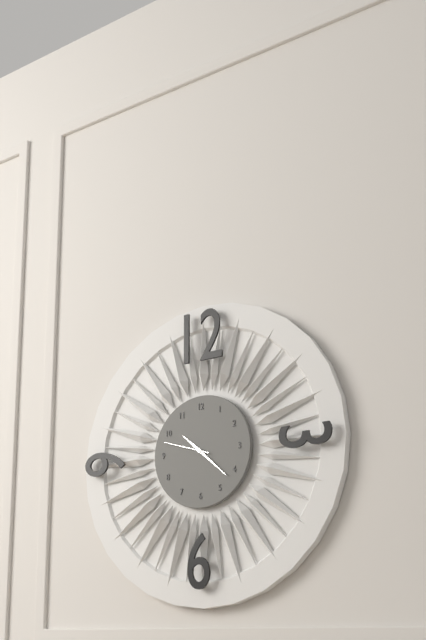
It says 10:22:48
